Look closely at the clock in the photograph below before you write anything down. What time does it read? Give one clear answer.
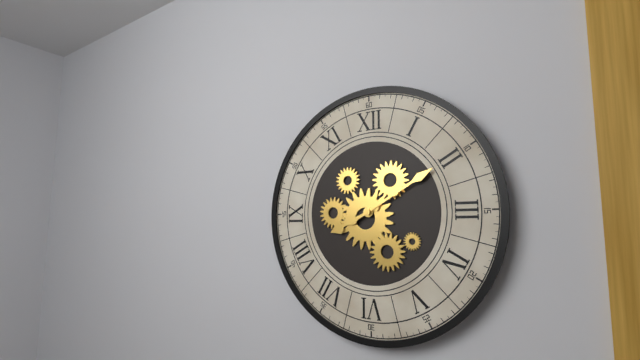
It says 8:10
